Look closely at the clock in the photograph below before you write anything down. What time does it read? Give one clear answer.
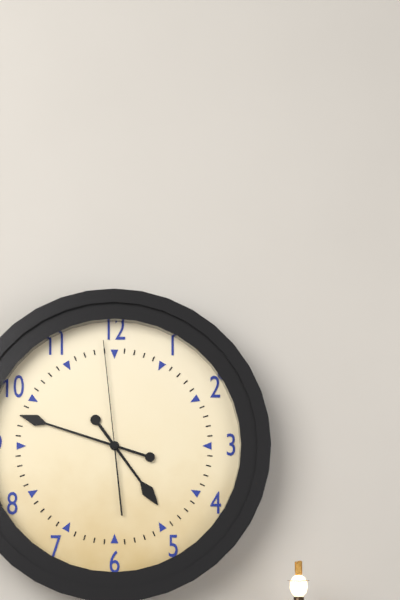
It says 4:48:59
